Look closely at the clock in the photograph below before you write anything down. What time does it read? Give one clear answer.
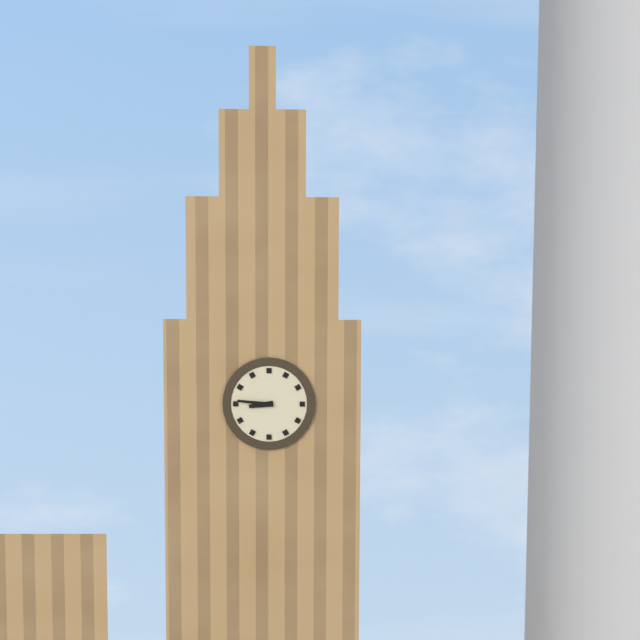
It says 8:46
